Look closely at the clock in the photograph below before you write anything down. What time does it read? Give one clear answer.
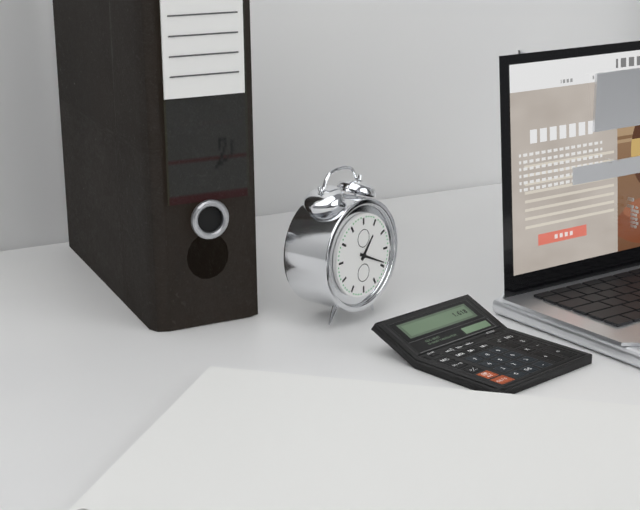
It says 1:19
